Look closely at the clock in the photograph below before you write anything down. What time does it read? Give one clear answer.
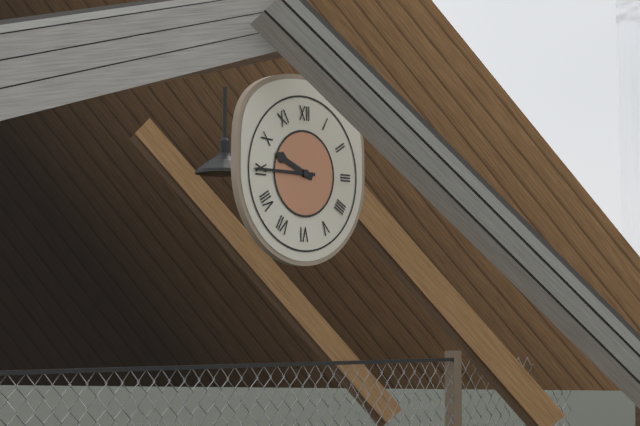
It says 9:45
